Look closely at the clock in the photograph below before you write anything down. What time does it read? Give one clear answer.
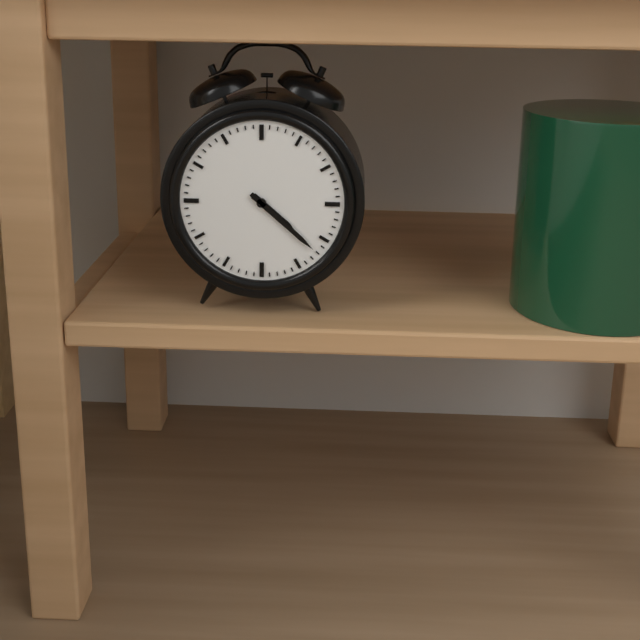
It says 4:22
